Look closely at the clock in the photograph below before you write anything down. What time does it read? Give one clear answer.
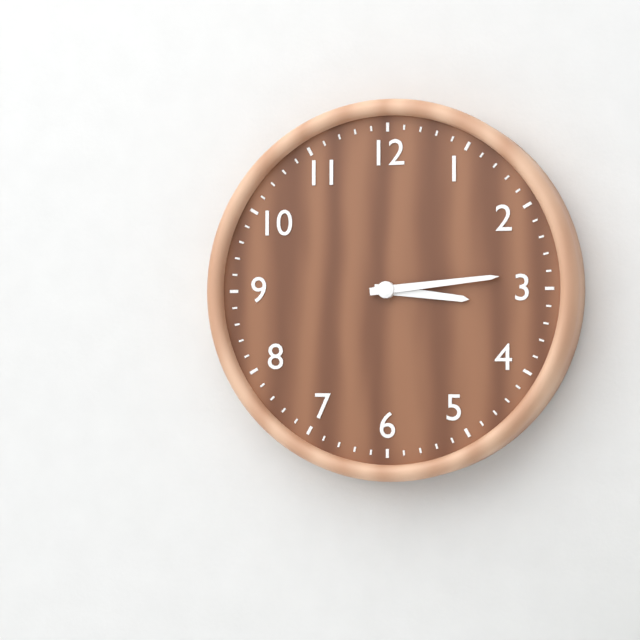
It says 3:14
